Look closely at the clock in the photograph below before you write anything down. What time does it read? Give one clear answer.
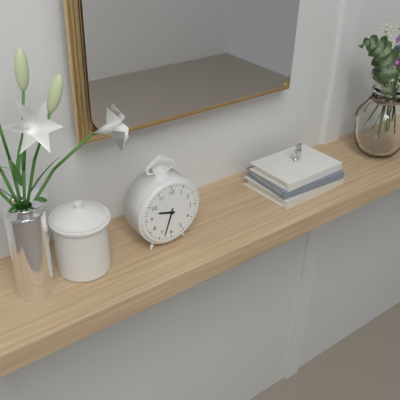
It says 9:33
